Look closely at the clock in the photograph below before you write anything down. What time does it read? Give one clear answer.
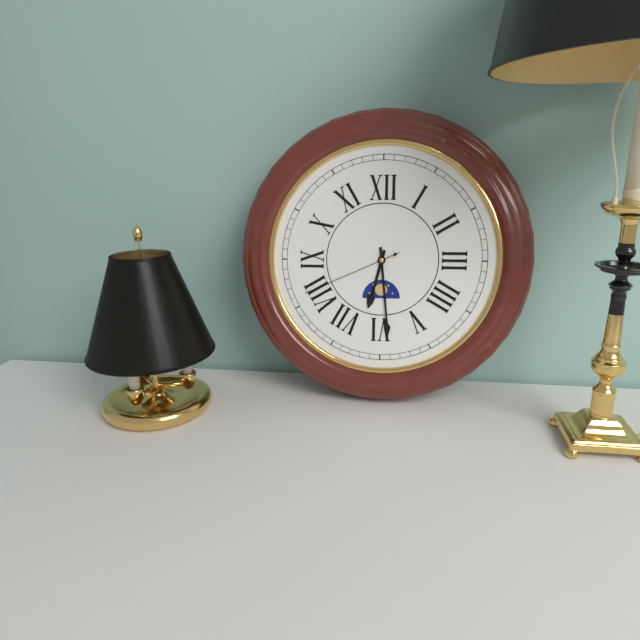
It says 6:29:41
